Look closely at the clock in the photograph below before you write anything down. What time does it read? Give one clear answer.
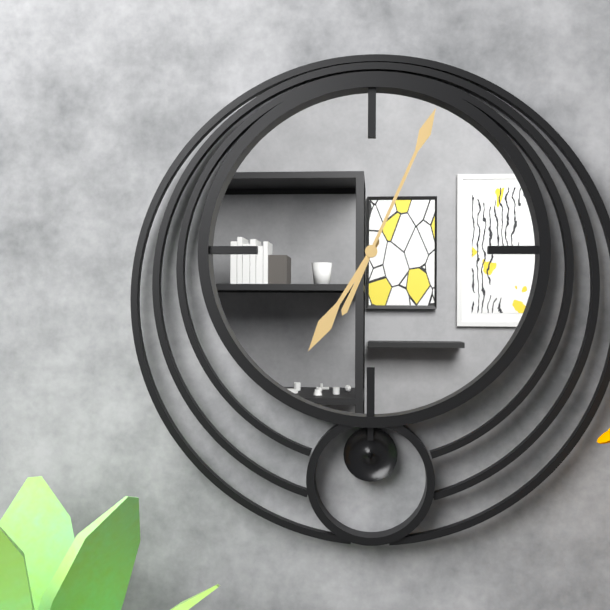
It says 7:04
